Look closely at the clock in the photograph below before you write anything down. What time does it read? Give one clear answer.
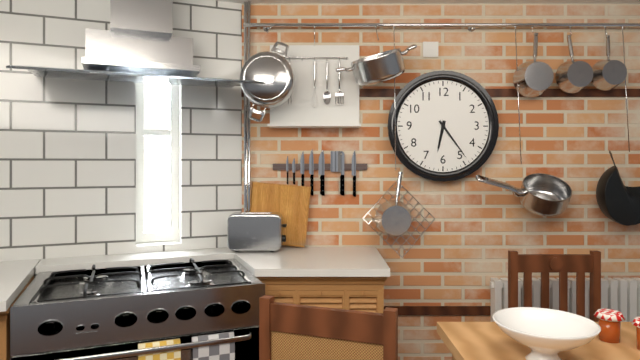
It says 6:24
